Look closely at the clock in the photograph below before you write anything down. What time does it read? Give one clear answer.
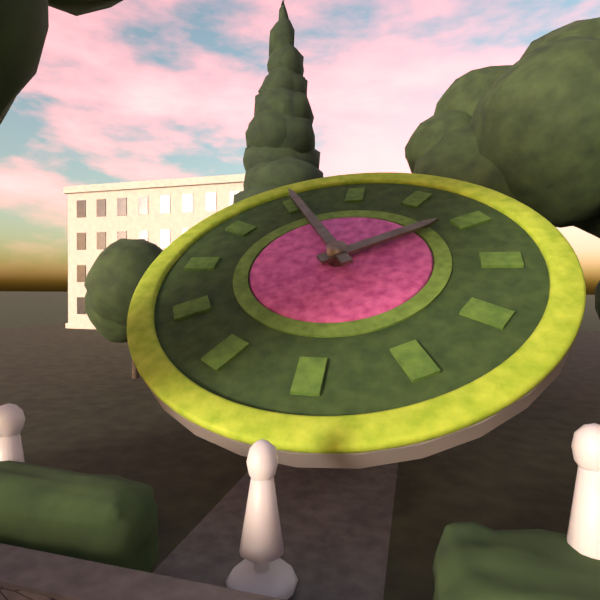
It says 1:55
